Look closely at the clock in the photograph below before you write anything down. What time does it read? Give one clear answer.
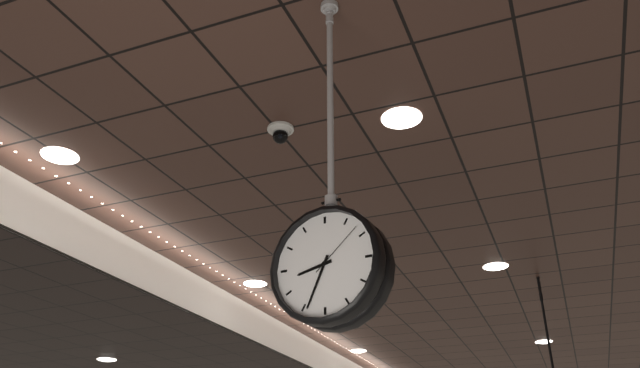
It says 8:34:08
